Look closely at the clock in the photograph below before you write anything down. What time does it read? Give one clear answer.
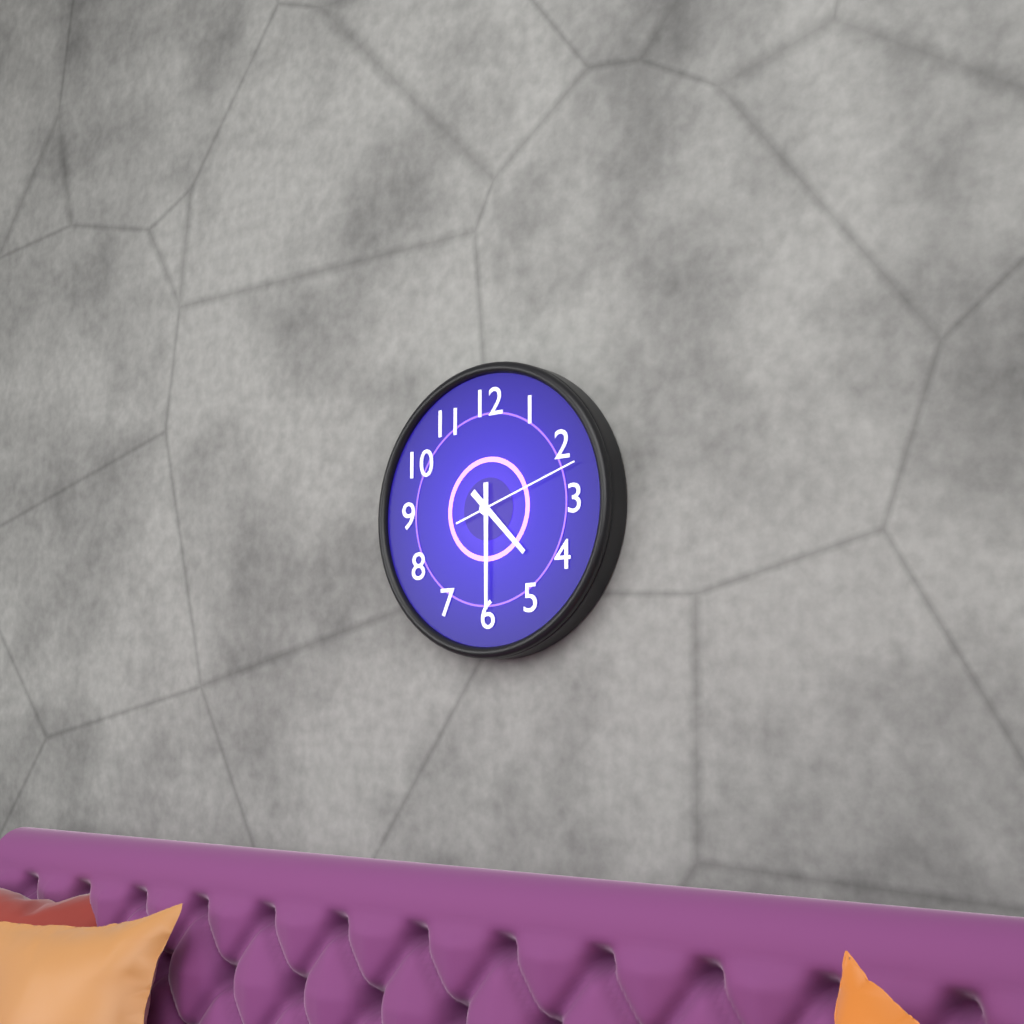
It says 4:30:12
